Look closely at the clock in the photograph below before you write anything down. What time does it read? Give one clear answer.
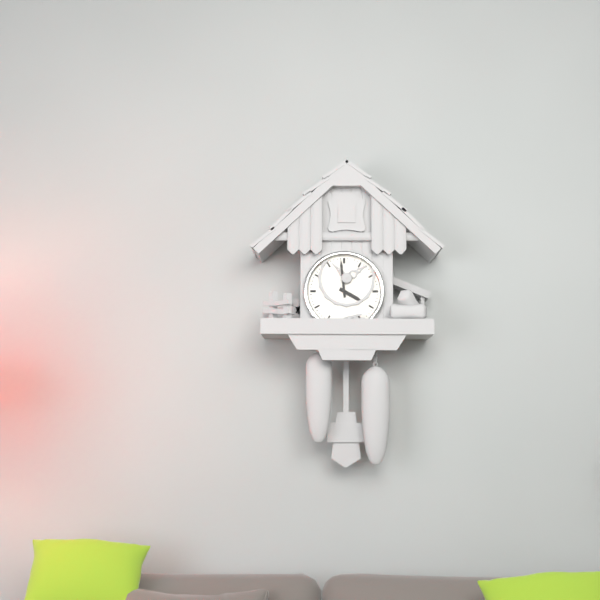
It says 3:59
